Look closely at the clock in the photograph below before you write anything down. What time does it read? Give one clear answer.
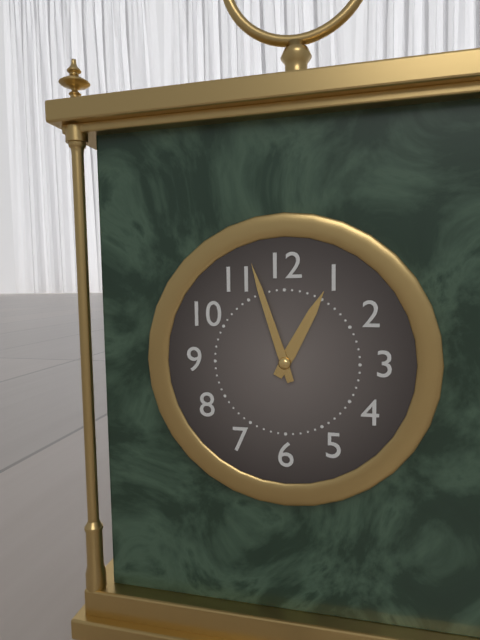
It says 12:57
